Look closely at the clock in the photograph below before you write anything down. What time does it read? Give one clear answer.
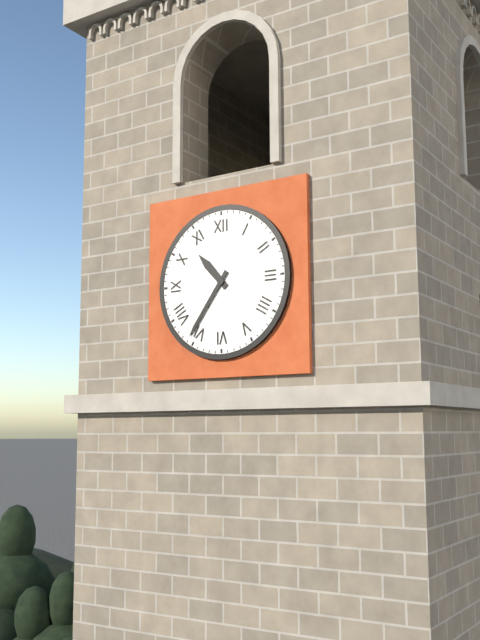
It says 10:36
